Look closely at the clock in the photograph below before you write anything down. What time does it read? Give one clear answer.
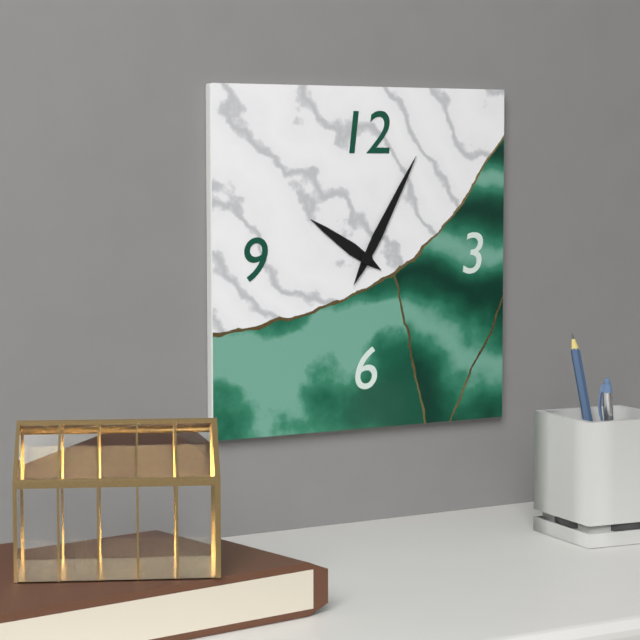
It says 10:05
